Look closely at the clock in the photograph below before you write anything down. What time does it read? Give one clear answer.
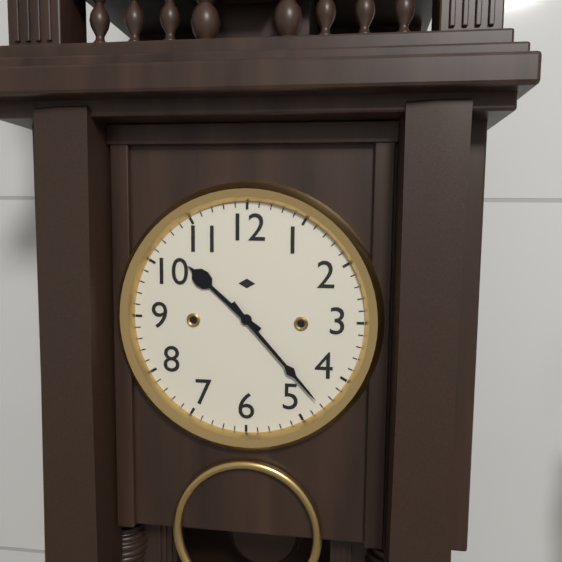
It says 10:23
